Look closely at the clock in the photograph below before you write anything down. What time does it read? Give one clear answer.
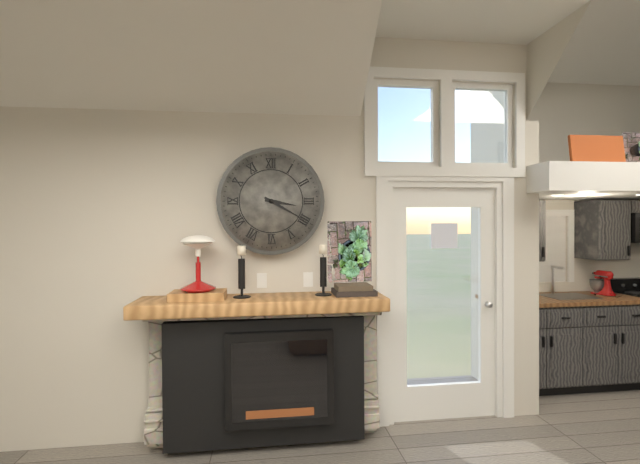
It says 3:20
